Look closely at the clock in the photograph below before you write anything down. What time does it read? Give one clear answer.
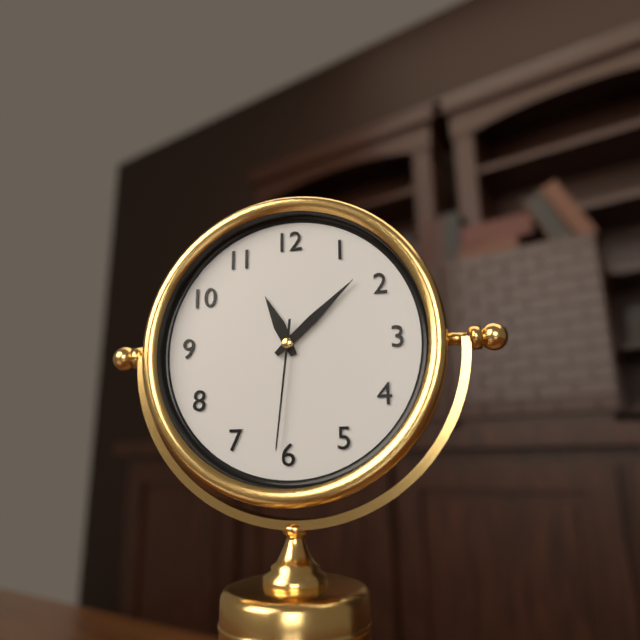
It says 11:08:31
